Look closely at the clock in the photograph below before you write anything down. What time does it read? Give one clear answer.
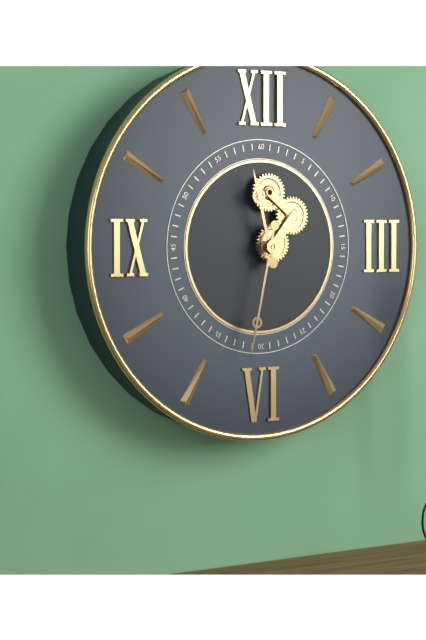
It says 11:32
